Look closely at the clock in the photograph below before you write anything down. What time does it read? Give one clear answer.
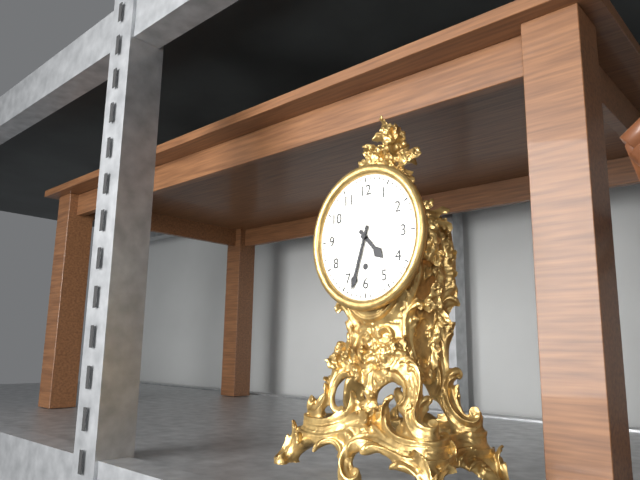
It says 4:33
